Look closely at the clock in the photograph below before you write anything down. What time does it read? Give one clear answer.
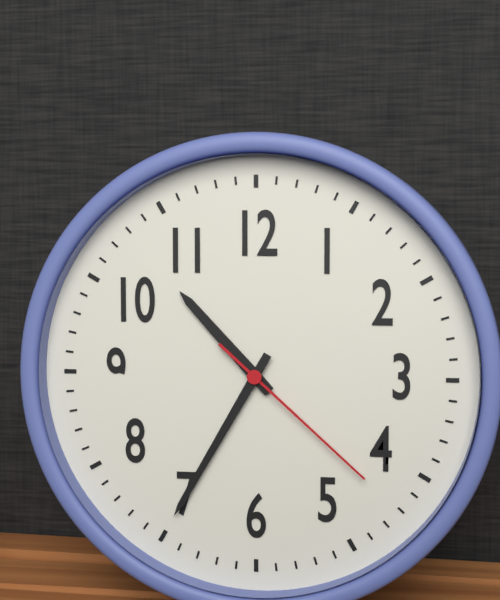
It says 10:35:22
